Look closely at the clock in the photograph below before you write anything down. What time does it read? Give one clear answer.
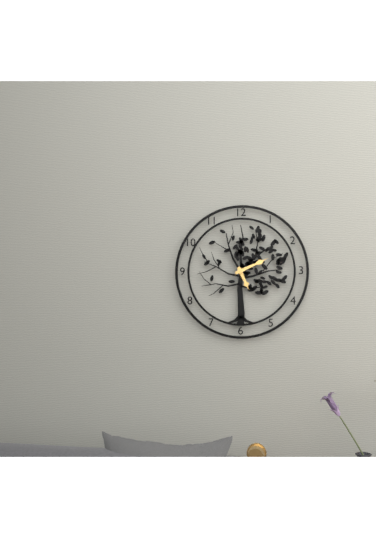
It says 5:11
